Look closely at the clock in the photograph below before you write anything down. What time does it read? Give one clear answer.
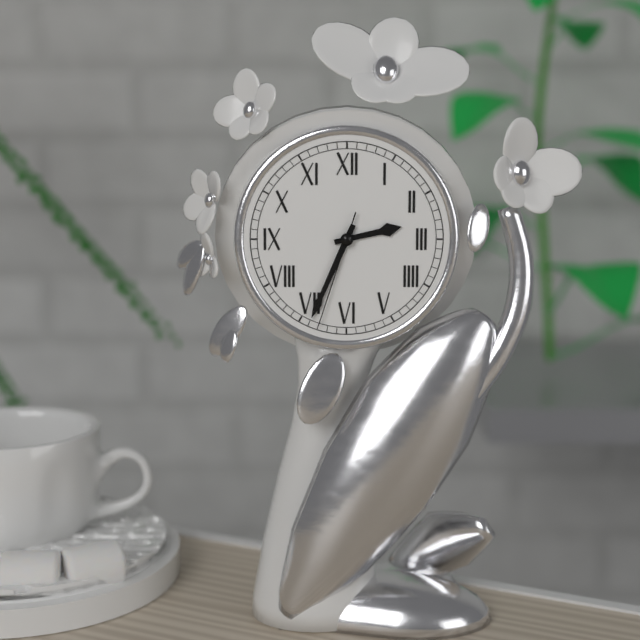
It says 2:34:33
